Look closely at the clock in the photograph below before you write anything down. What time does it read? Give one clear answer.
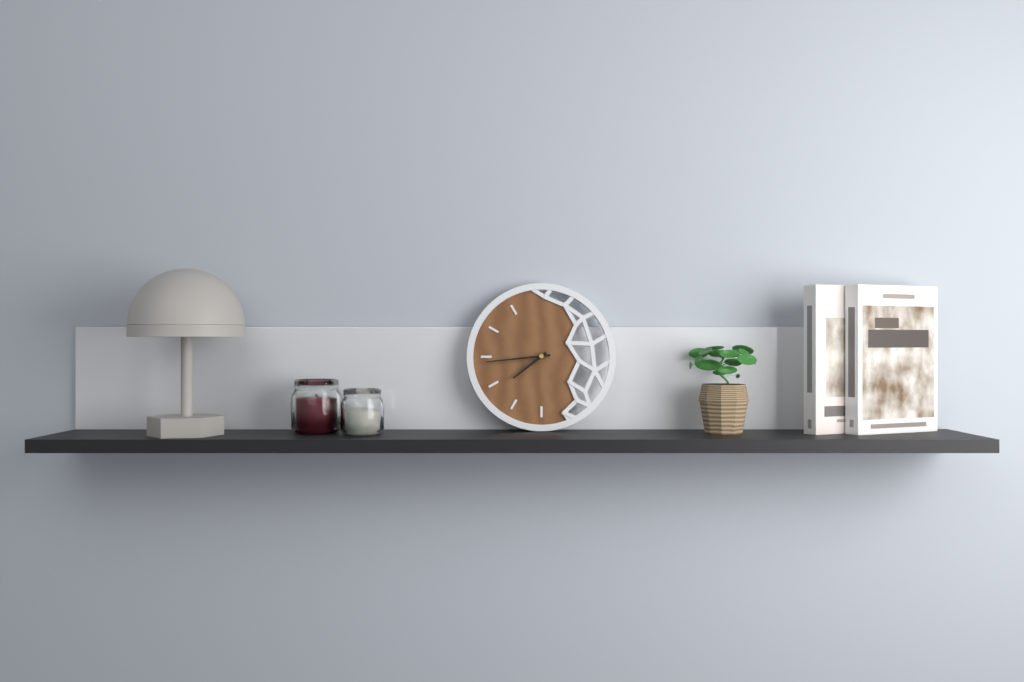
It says 7:44
